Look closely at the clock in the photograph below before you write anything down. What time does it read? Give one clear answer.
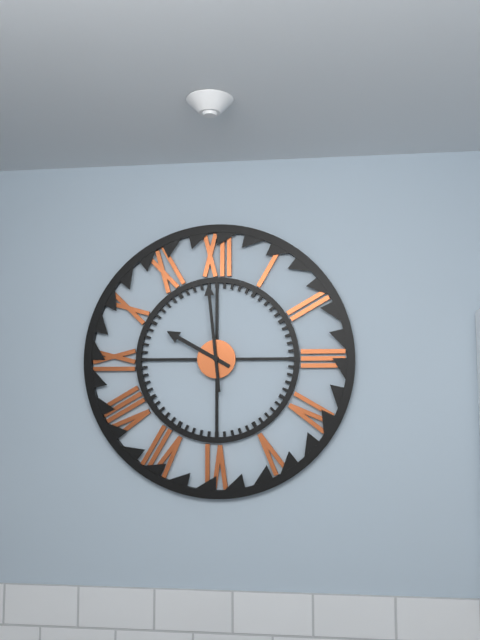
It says 9:59
